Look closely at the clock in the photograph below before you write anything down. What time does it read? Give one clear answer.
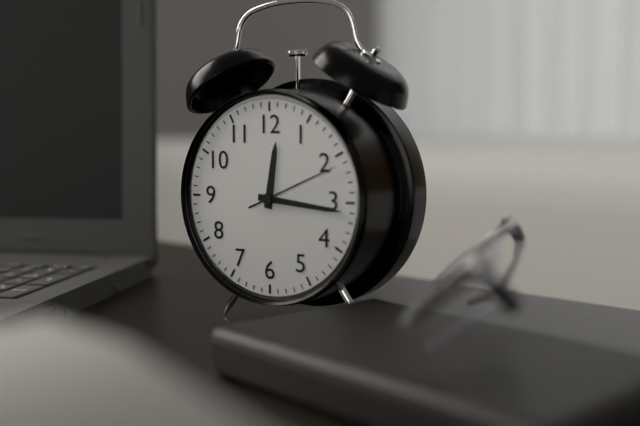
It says 12:16:11
